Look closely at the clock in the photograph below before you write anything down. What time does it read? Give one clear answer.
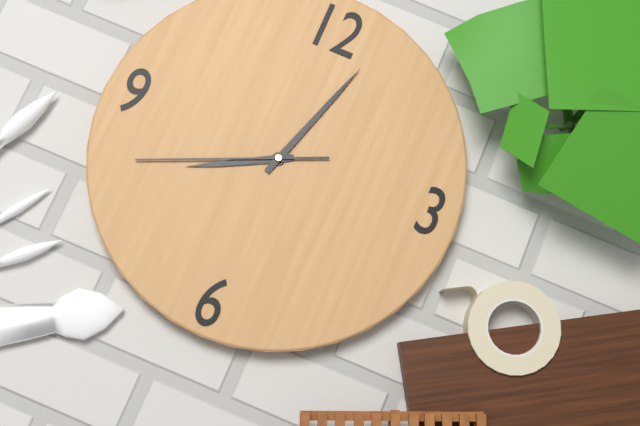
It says 8:03:41
